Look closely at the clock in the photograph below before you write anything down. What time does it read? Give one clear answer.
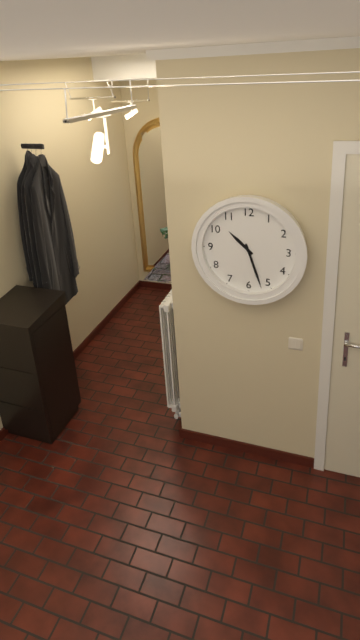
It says 10:27
